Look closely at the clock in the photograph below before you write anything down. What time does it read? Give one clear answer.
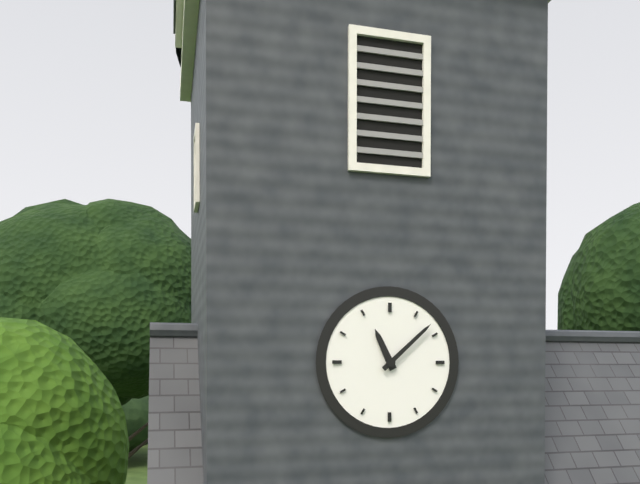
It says 11:08
